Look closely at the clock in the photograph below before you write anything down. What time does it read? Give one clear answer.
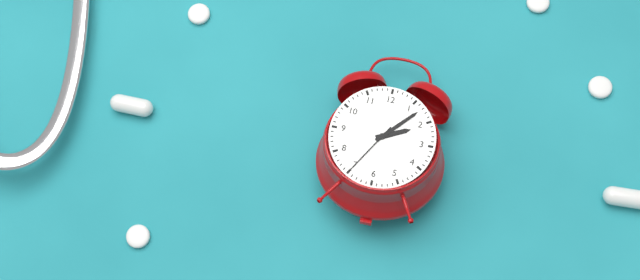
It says 2:07:35
